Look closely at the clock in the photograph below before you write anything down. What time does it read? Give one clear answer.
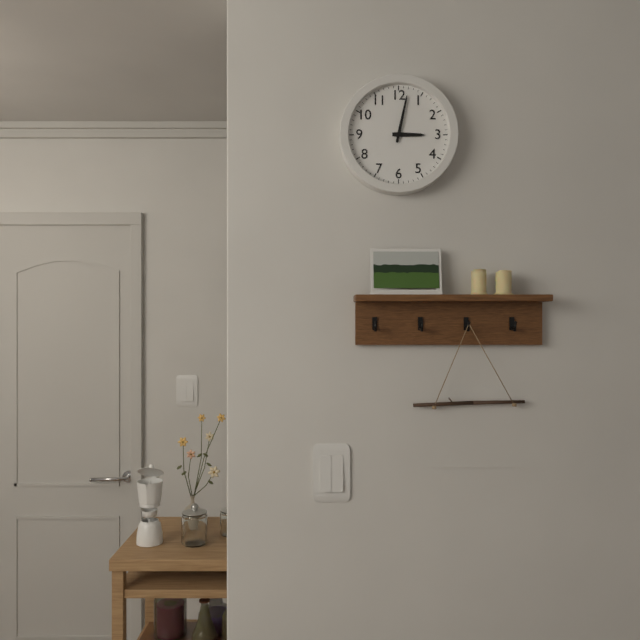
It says 3:02
